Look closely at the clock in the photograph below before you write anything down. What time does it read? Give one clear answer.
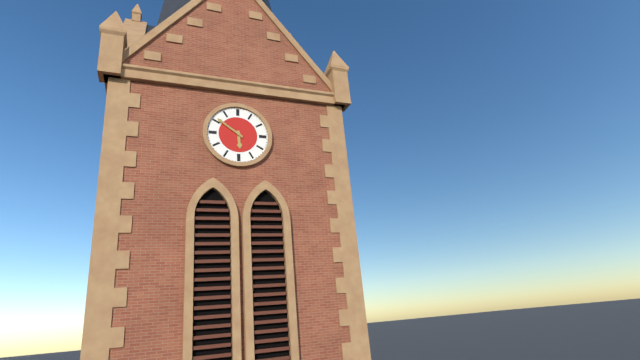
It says 5:51
